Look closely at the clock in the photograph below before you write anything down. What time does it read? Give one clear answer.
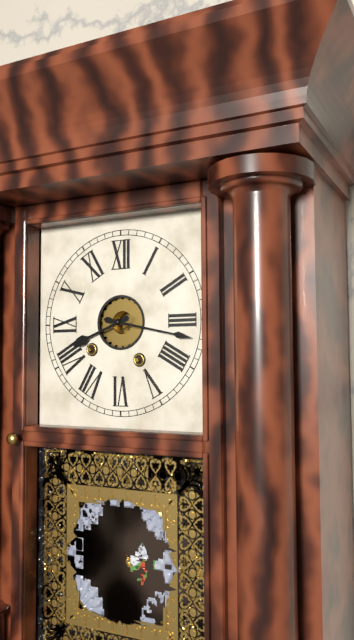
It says 8:17
